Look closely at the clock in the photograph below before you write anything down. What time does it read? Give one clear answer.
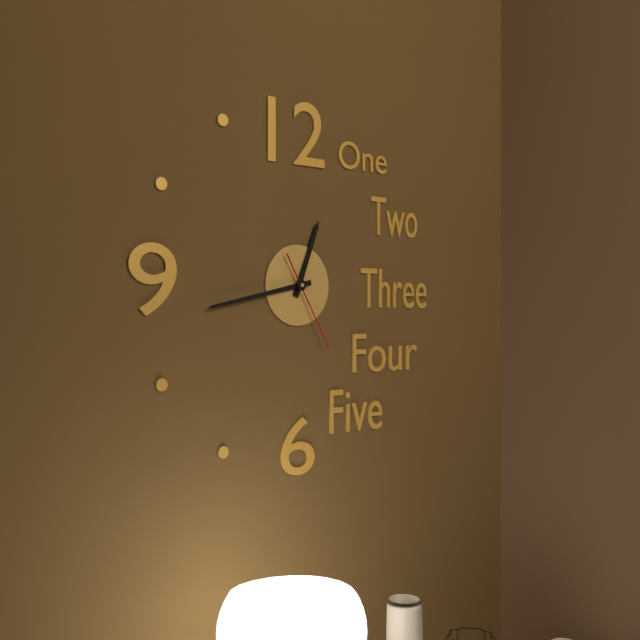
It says 12:43:25
